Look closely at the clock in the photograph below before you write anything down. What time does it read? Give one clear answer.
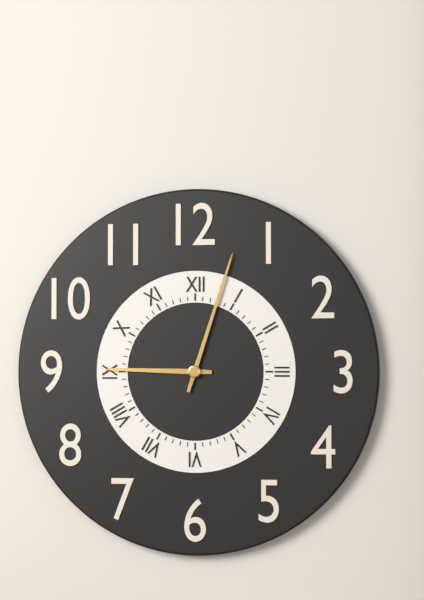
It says 9:03
